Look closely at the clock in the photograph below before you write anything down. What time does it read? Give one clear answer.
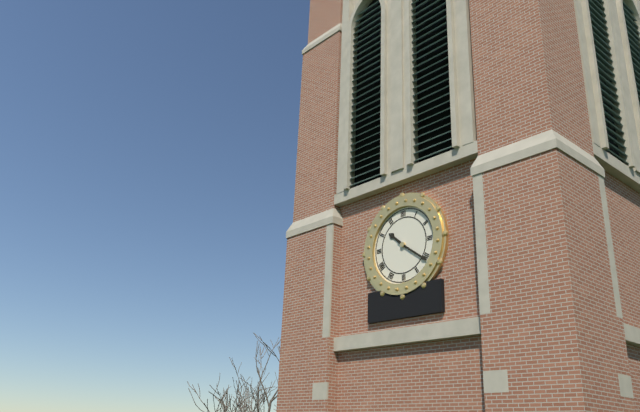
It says 10:21
